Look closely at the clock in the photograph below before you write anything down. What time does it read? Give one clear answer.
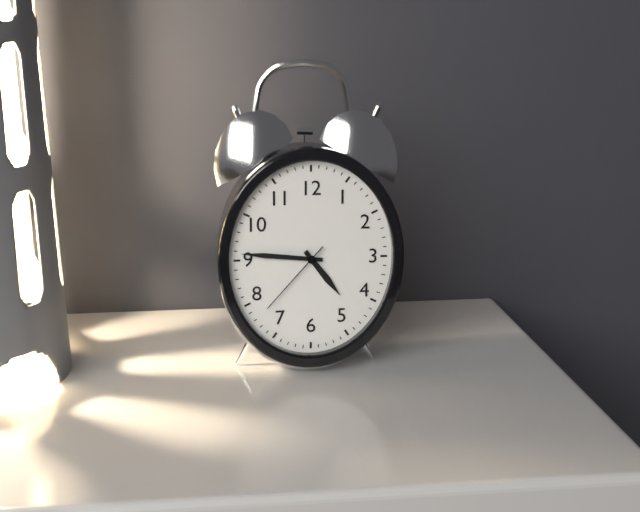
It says 4:46:37
